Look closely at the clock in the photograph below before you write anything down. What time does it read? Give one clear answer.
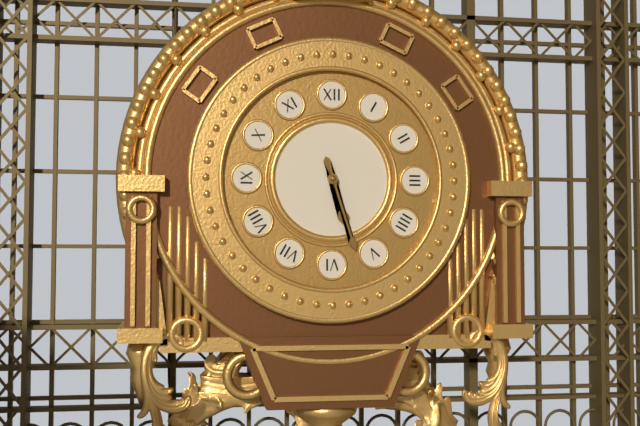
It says 5:27
